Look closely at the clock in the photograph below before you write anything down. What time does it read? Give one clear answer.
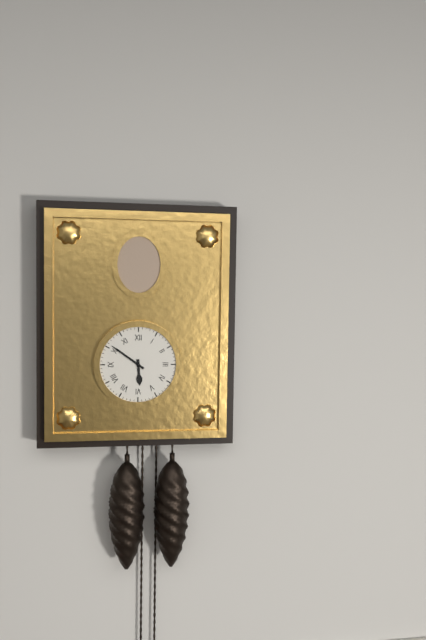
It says 5:51
